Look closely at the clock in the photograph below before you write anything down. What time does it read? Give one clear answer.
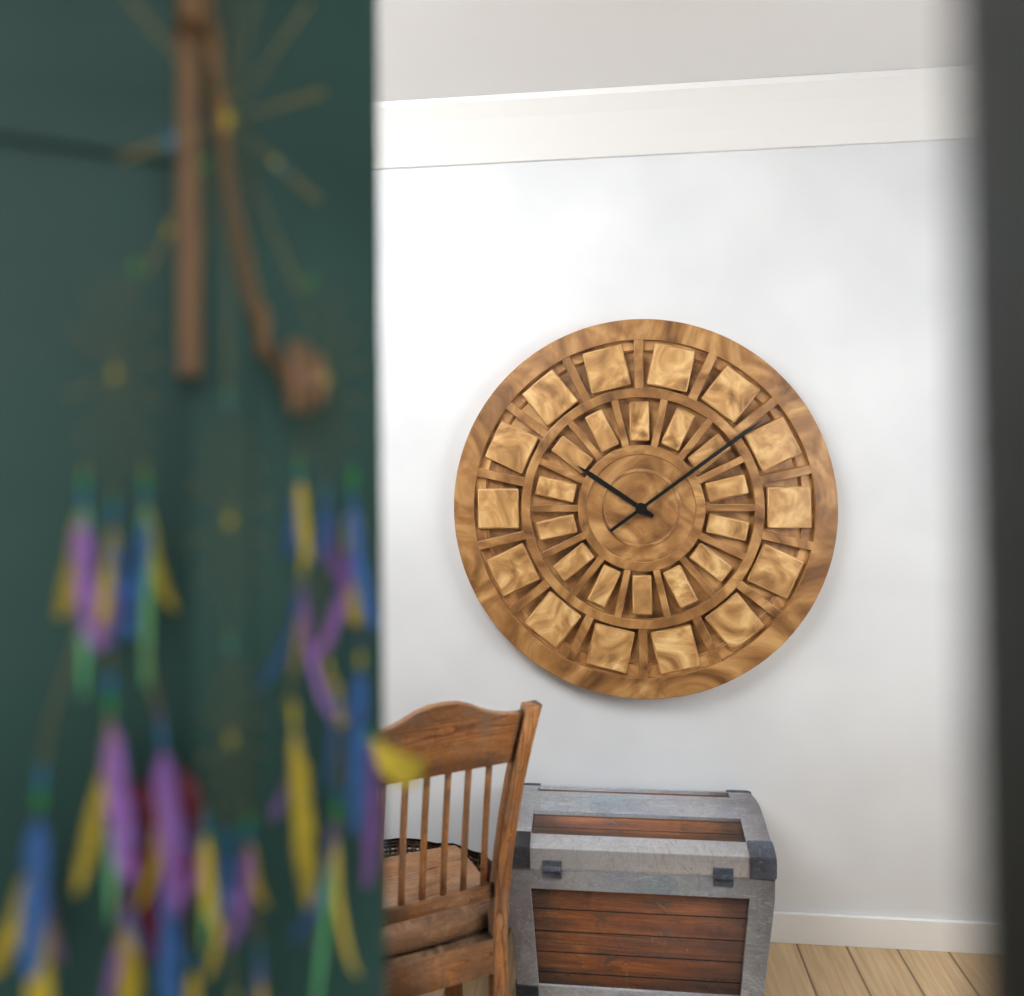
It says 10:09
